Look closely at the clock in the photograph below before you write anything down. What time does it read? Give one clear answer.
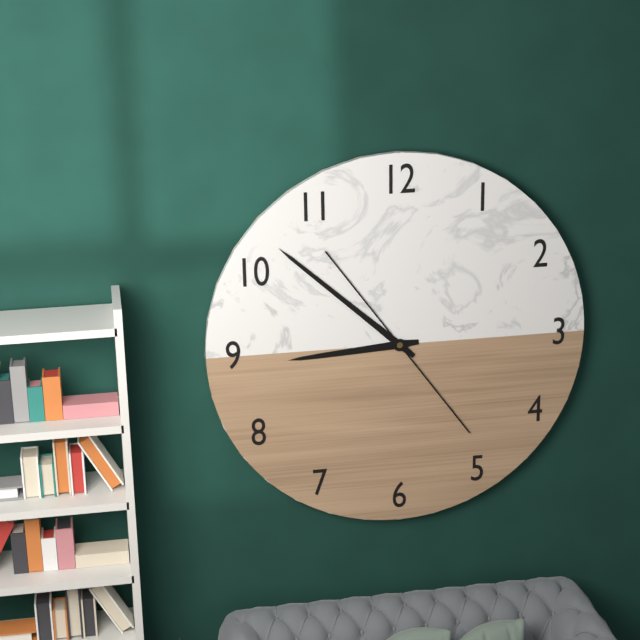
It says 8:52
